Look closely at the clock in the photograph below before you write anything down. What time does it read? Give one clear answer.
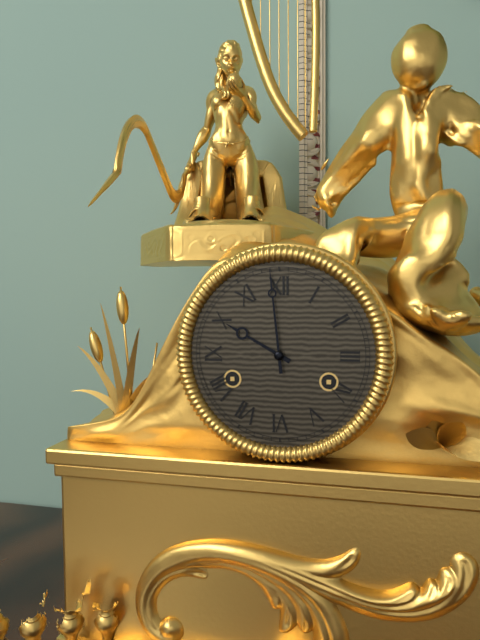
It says 9:59
